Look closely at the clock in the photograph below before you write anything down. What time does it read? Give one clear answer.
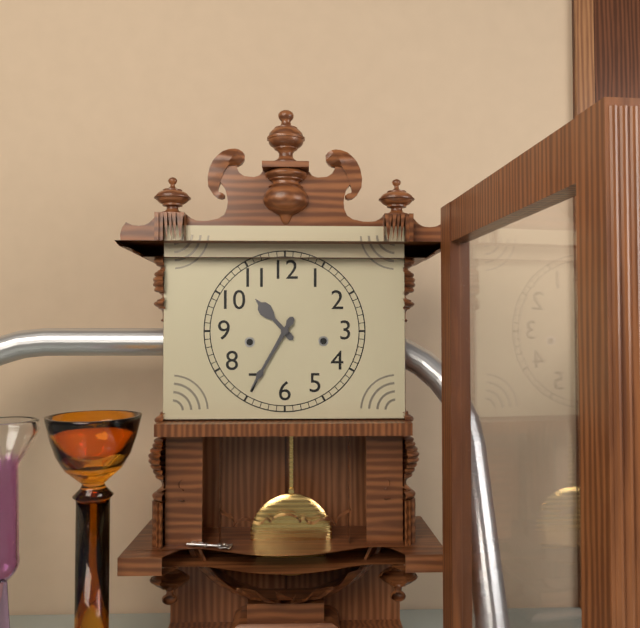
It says 10:35
